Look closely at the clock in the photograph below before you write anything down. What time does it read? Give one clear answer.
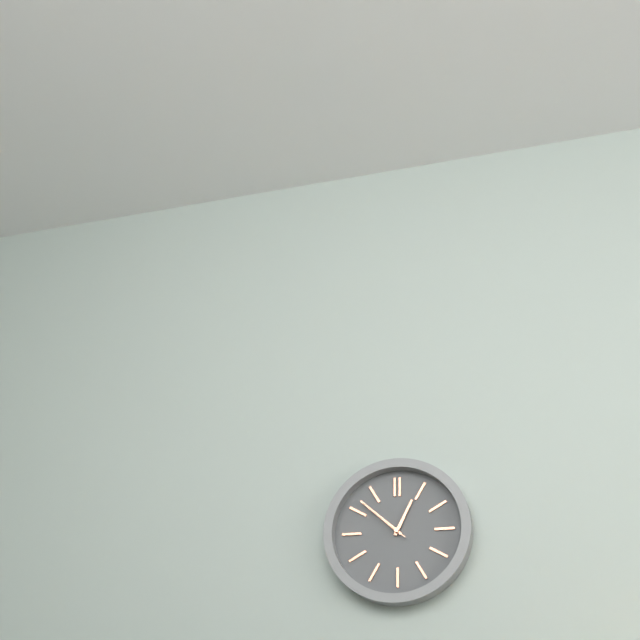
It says 12:52:52
